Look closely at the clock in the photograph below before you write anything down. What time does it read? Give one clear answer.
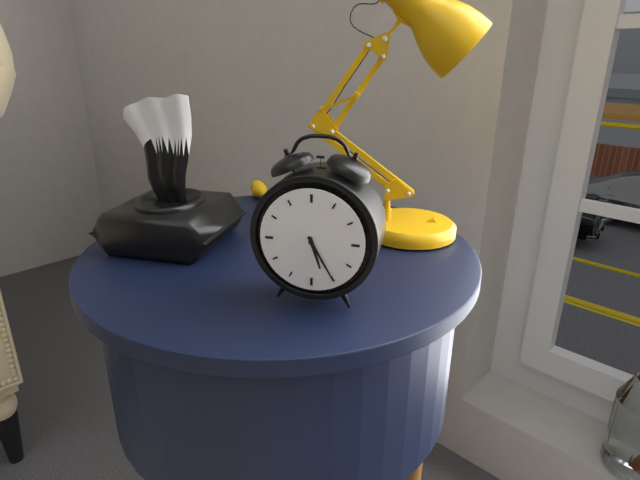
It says 5:25
